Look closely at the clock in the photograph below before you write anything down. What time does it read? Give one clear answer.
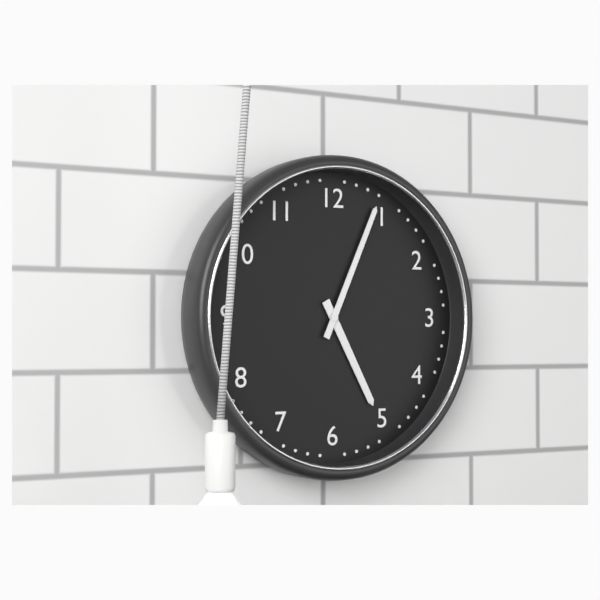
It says 5:04
